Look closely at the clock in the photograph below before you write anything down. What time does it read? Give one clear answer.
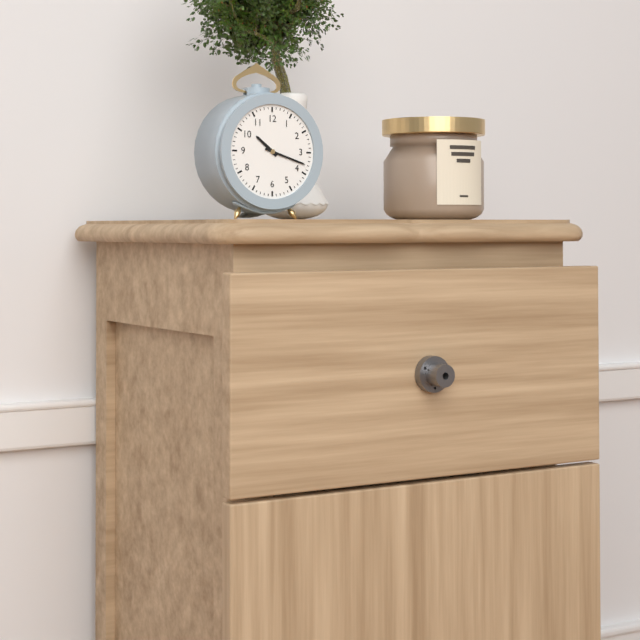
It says 10:18
